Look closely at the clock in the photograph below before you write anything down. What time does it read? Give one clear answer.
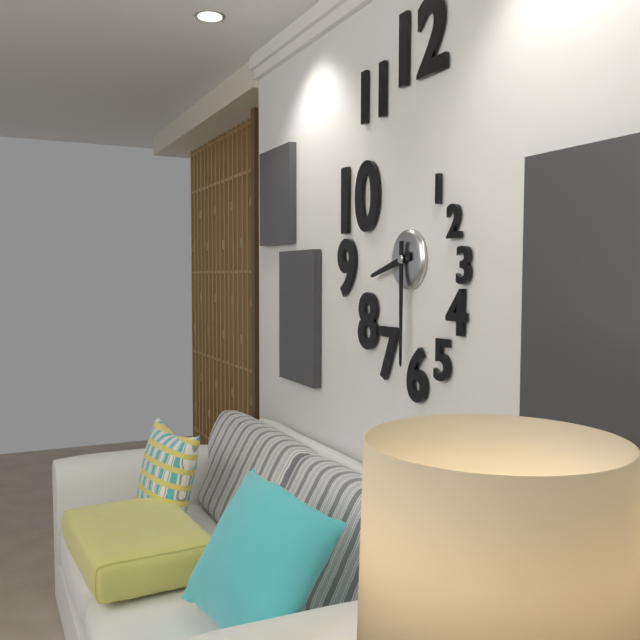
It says 8:30
